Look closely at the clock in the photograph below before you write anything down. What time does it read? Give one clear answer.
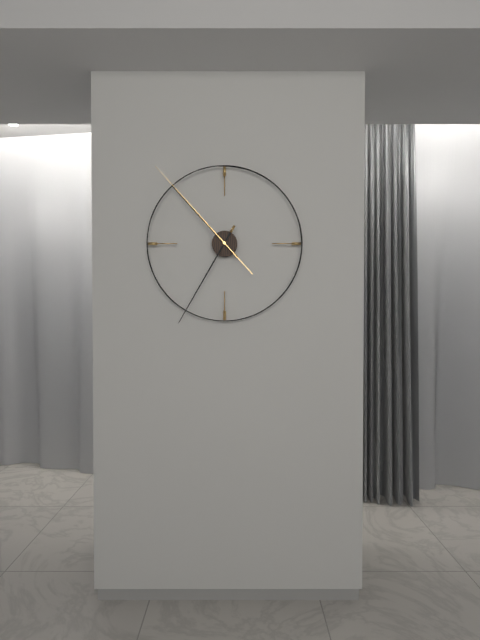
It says 10:35:53
